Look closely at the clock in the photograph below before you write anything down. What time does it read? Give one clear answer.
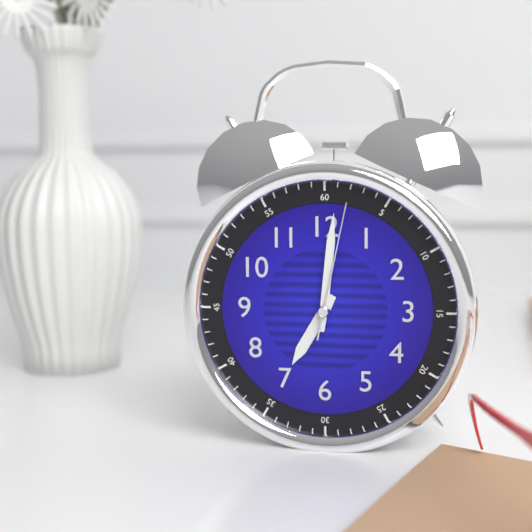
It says 7:01:02
